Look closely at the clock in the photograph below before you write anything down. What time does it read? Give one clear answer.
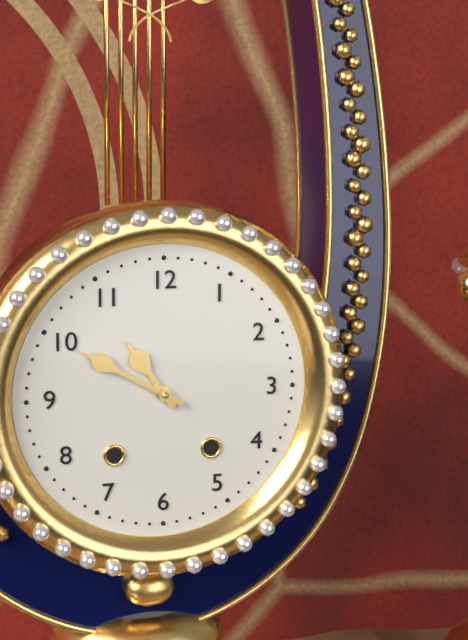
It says 10:50
